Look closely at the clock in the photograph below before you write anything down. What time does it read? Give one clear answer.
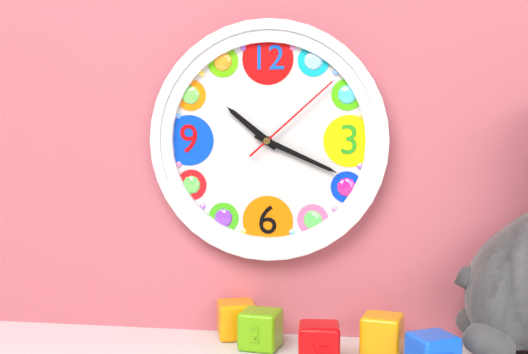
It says 10:19:08
